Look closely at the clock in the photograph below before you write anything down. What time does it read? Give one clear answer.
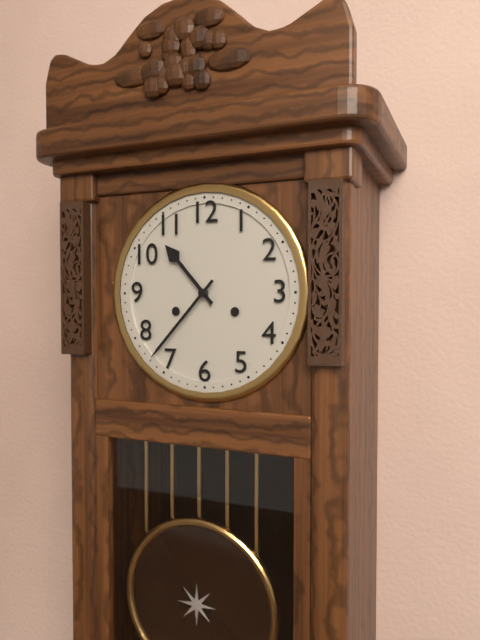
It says 10:37
